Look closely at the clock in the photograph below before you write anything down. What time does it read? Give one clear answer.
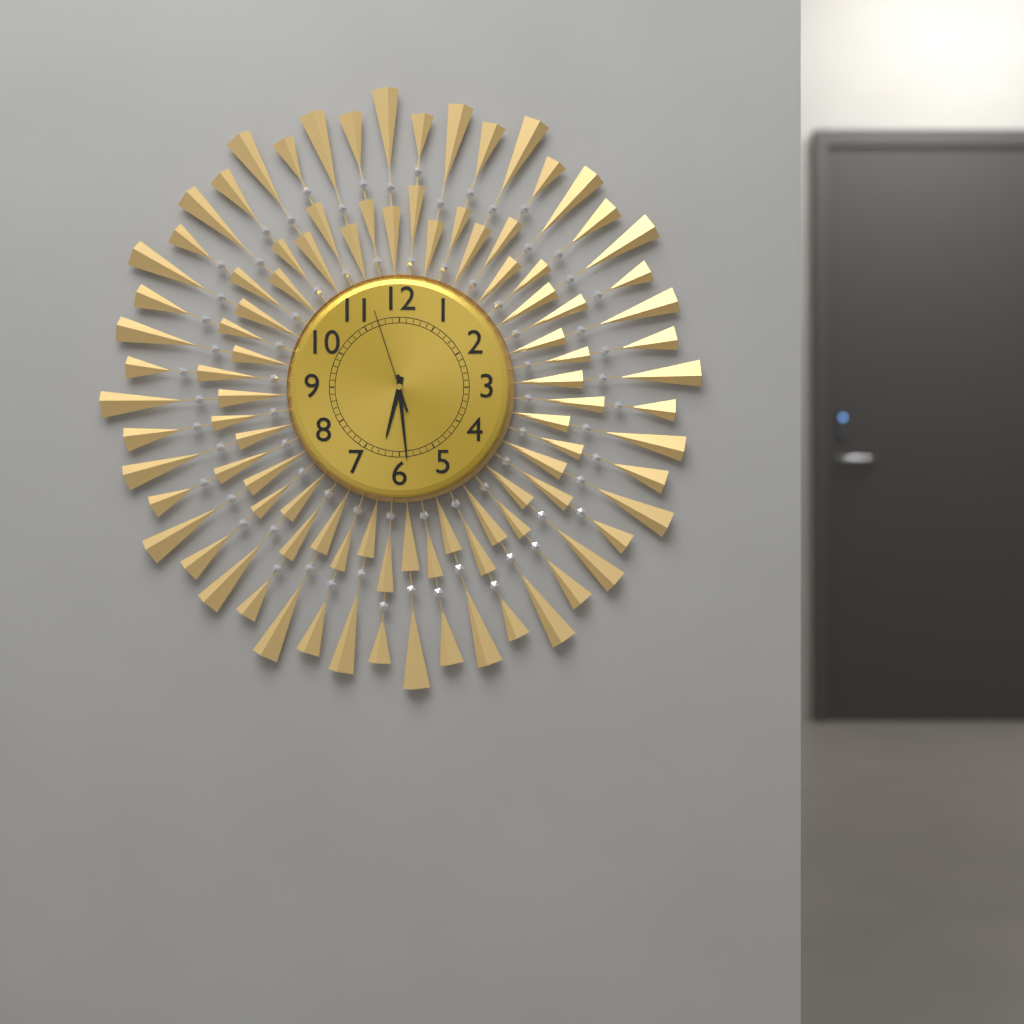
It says 6:29:57
